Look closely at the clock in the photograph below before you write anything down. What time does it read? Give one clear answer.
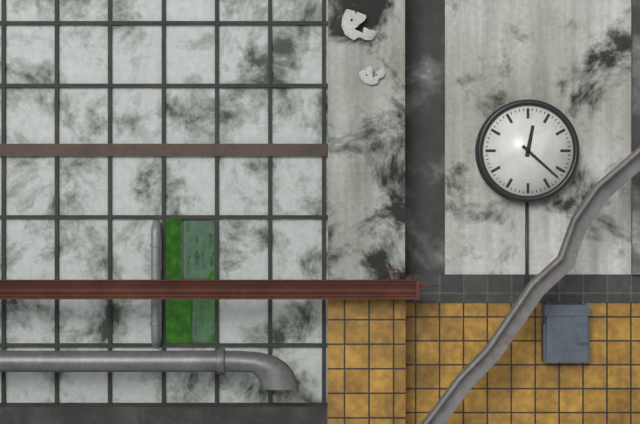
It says 12:22
